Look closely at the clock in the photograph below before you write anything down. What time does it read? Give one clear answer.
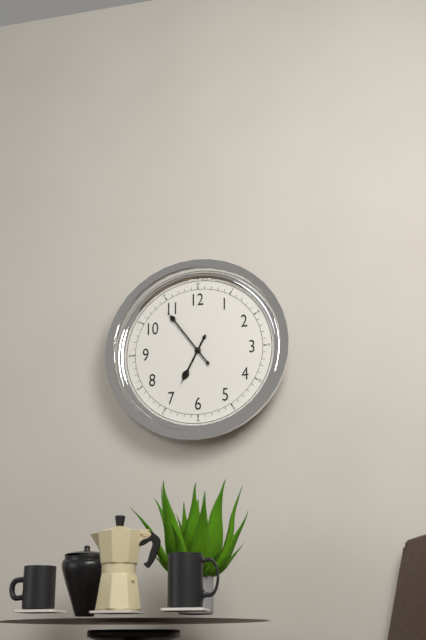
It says 6:54
